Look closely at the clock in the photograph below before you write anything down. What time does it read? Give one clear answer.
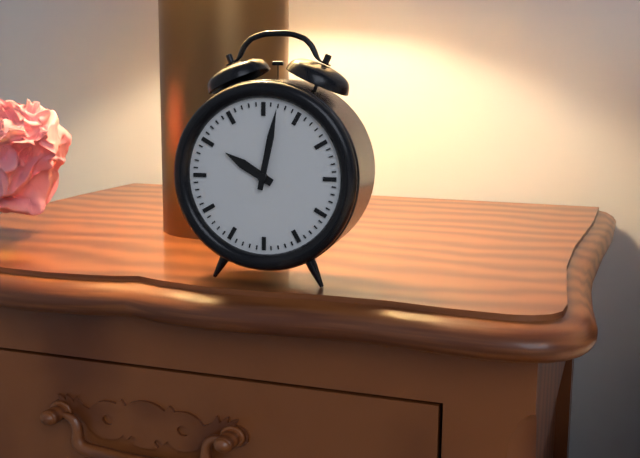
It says 10:02
